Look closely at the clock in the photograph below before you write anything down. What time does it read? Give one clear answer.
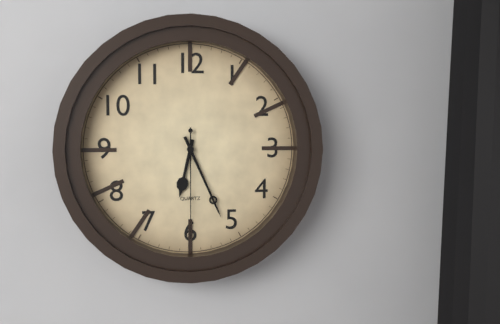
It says 6:26:30
